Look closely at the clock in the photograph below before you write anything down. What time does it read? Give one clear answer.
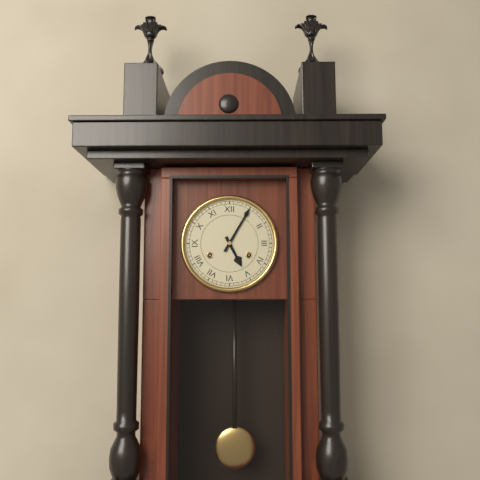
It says 5:05
